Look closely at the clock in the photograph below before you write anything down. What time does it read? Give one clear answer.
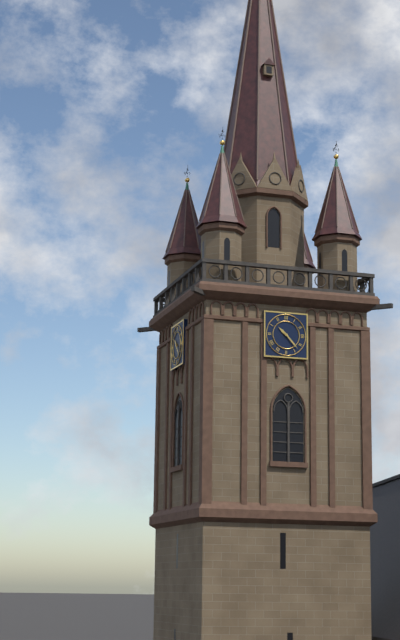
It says 10:23
